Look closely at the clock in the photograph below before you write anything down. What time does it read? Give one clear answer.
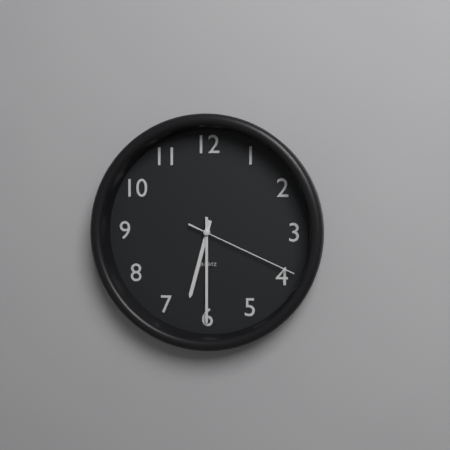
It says 6:30:19
